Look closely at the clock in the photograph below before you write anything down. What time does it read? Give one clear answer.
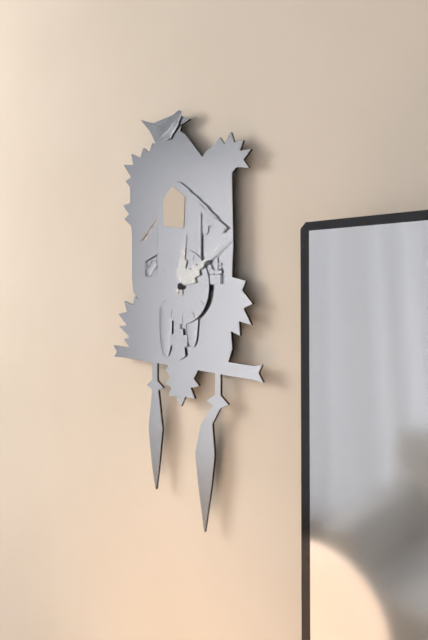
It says 12:09
